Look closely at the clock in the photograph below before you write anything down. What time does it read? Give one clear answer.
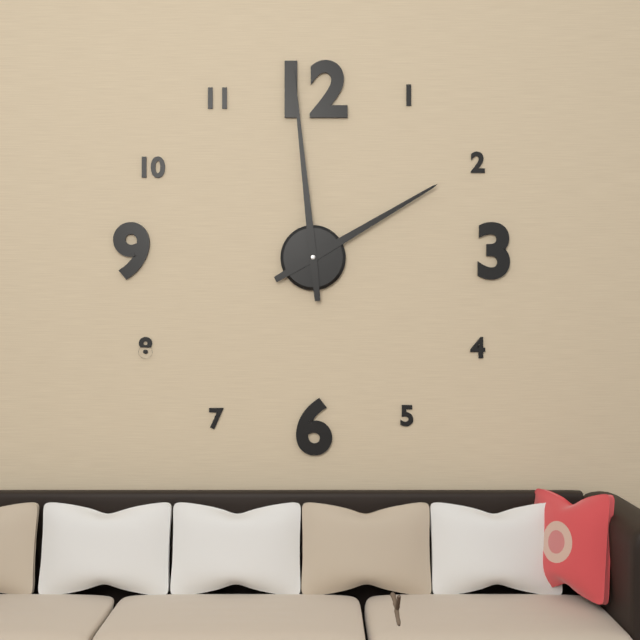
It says 1:59
